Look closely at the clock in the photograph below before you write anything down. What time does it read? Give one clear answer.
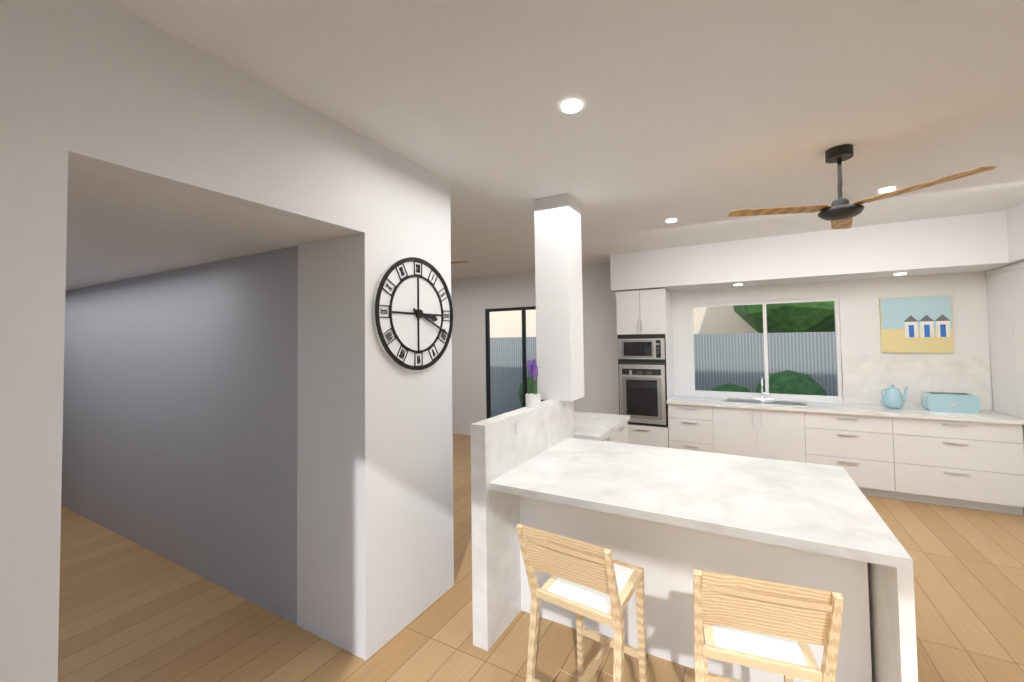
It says 3:19
